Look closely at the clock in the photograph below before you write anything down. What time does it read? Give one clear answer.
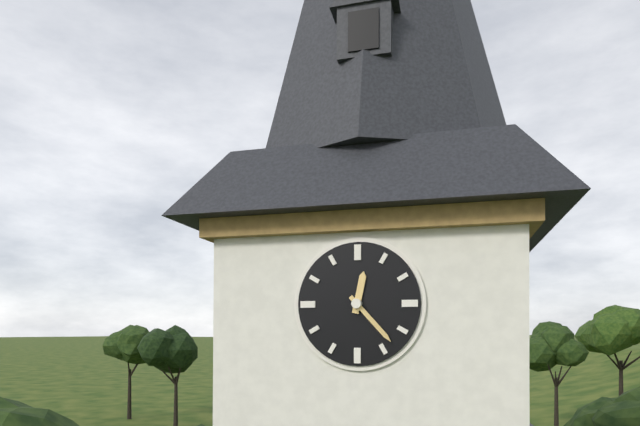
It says 12:23
